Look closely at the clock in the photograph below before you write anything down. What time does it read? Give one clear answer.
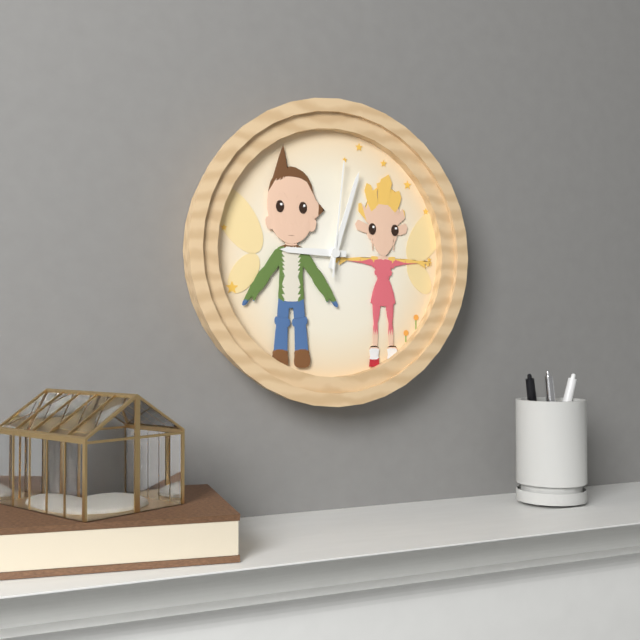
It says 9:03:01
